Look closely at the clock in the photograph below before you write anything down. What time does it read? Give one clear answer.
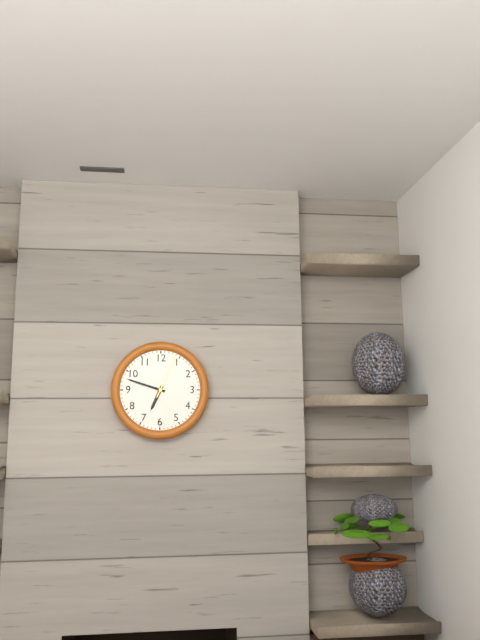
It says 6:48
